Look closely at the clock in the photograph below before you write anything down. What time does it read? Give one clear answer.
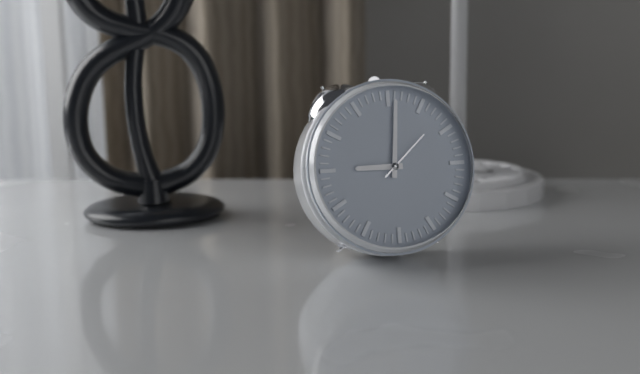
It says 9:01:08
